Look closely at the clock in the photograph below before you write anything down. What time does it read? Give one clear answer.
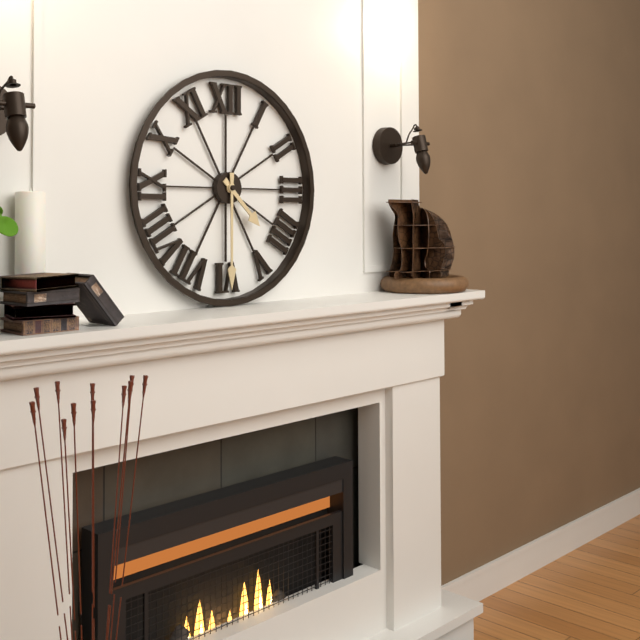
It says 4:30
